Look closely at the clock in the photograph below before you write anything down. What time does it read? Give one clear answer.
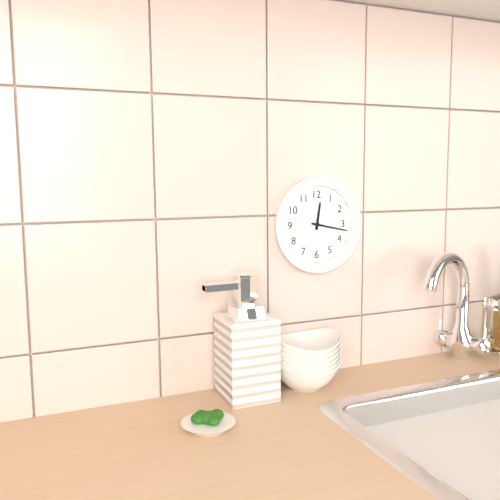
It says 12:17
